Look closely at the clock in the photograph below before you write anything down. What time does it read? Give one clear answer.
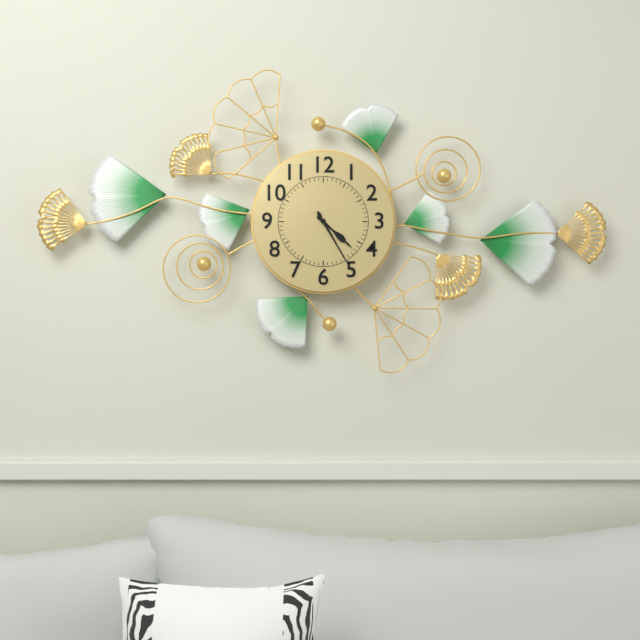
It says 4:25
